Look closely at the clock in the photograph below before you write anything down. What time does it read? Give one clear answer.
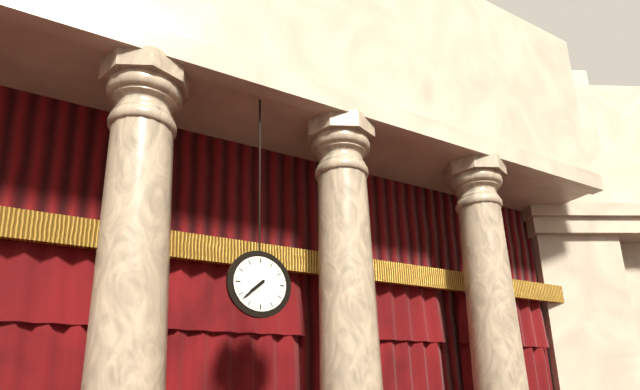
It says 7:38
